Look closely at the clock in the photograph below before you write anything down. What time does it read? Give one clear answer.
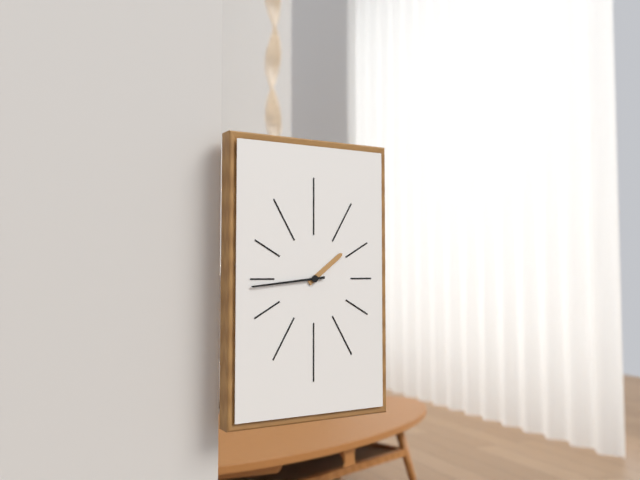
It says 1:44
